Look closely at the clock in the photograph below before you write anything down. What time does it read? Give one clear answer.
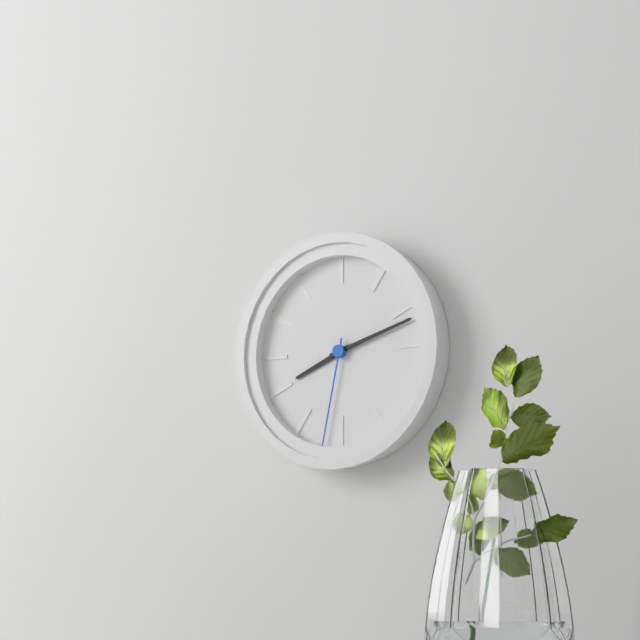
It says 8:12:32
